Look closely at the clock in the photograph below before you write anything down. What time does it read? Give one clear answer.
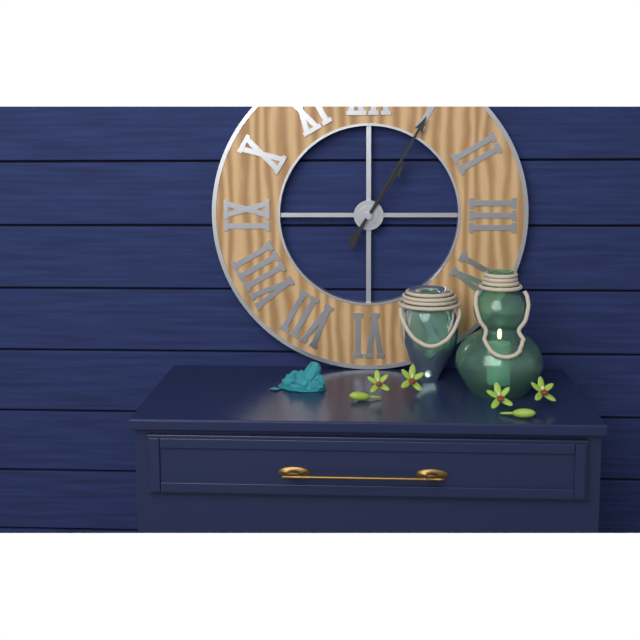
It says 1:05
